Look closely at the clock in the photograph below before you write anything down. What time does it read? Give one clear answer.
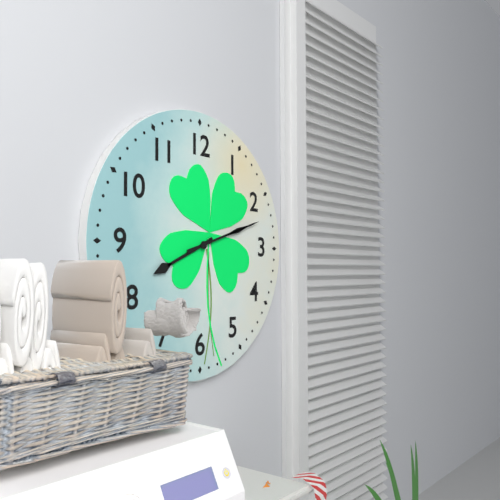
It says 8:12
